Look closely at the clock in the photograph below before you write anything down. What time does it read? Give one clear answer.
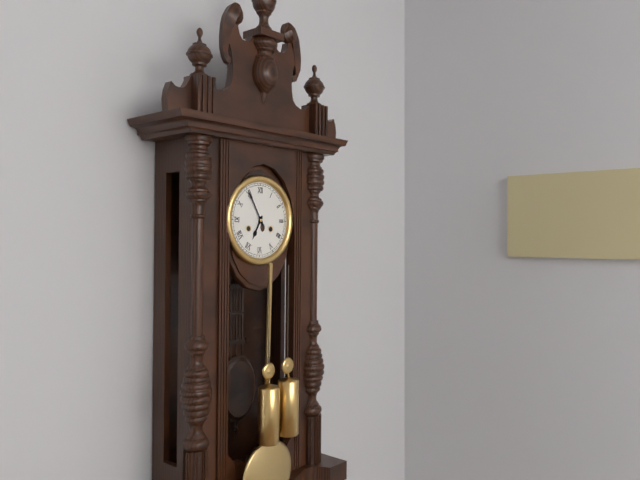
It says 6:55
